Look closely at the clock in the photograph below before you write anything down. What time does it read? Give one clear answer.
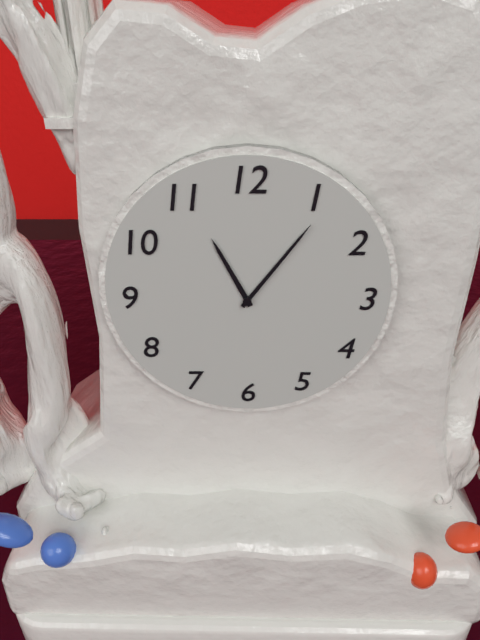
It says 11:06
